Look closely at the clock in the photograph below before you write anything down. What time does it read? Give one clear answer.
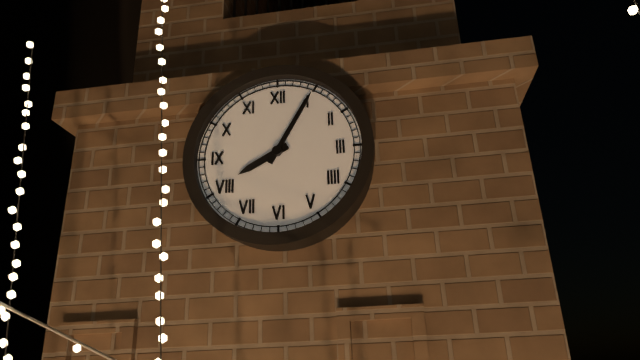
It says 8:05
